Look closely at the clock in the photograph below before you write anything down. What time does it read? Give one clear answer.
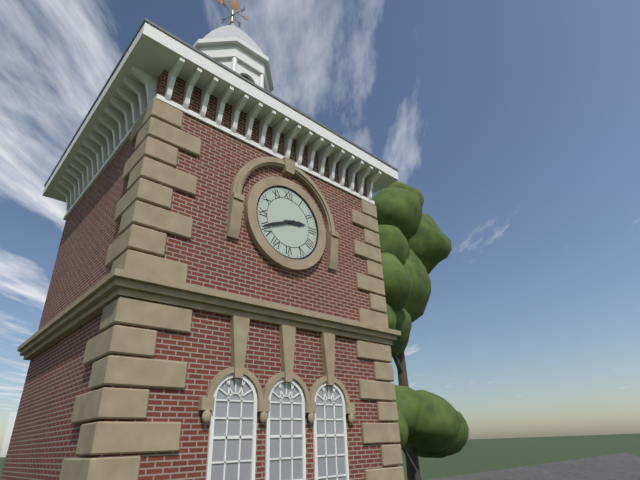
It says 2:41
